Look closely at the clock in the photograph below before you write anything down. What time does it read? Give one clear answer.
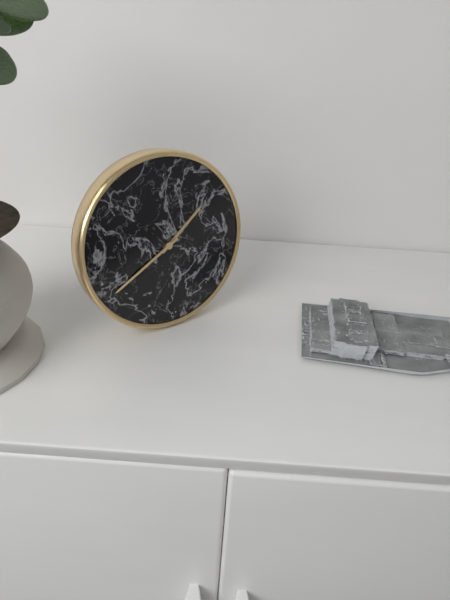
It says 1:40
